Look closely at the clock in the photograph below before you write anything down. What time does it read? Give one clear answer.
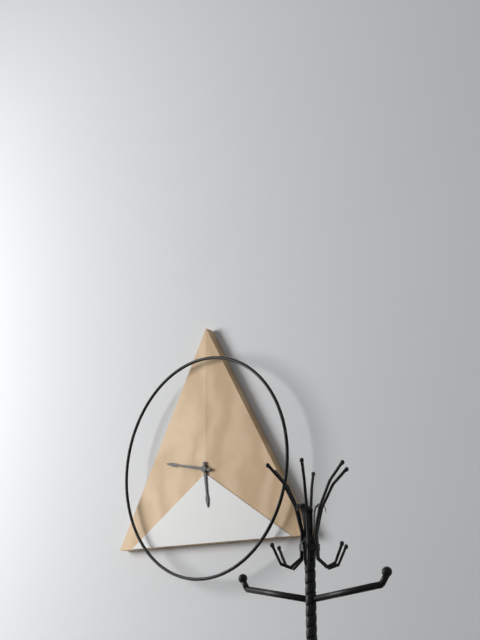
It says 5:47
